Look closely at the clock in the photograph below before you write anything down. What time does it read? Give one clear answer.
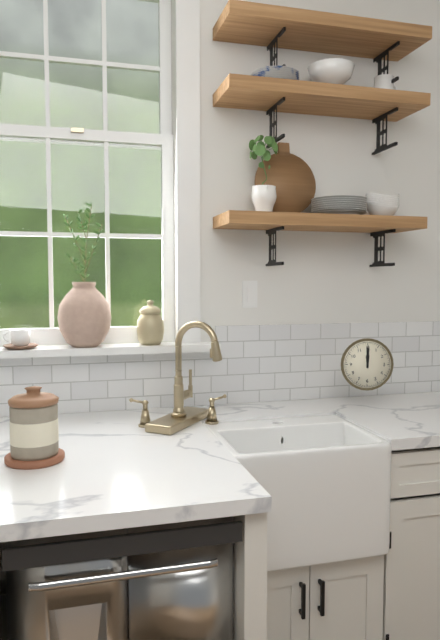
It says 12:00
